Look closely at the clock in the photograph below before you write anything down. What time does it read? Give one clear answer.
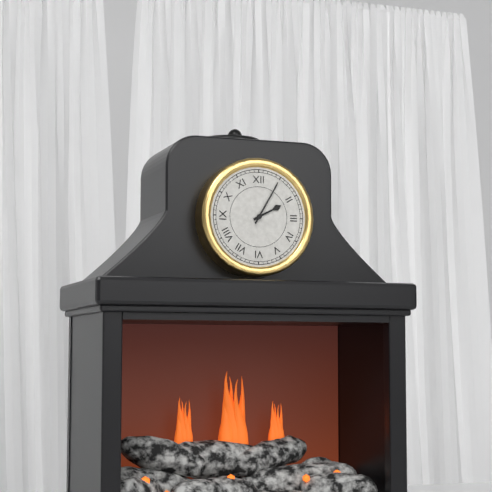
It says 2:05
